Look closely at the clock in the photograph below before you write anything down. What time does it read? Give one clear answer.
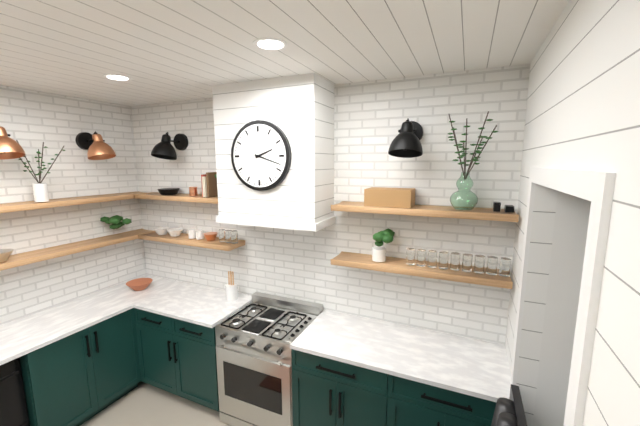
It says 2:18
